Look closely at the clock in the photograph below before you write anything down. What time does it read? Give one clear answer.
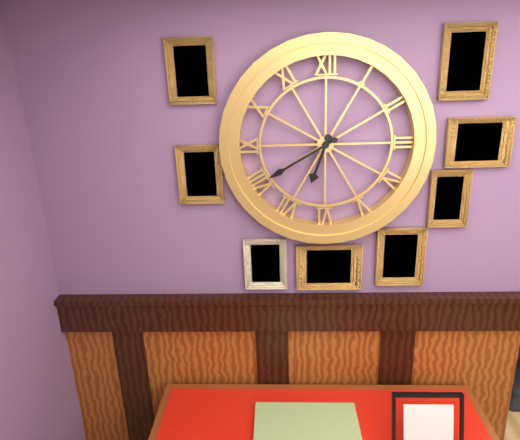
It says 6:40
